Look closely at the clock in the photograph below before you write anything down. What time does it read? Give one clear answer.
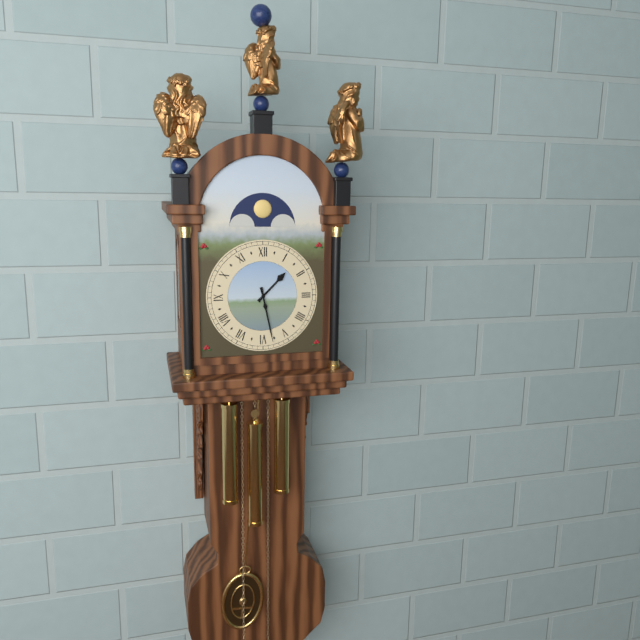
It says 1:28
